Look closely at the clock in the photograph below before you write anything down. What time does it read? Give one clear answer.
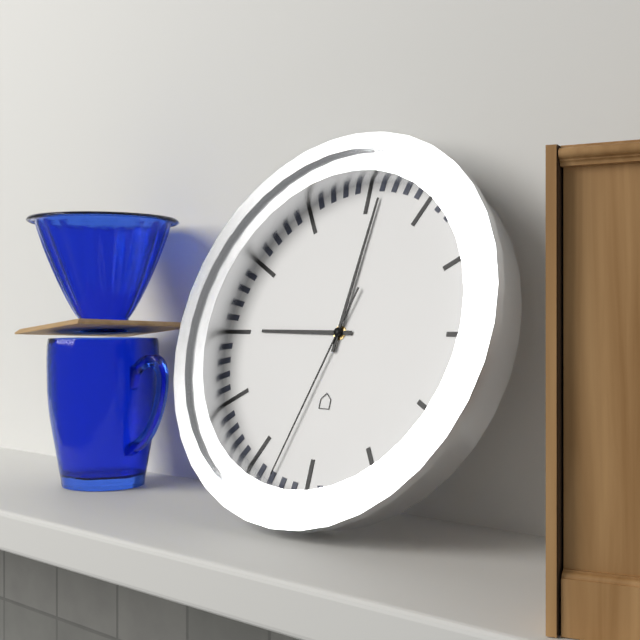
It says 9:01:33
